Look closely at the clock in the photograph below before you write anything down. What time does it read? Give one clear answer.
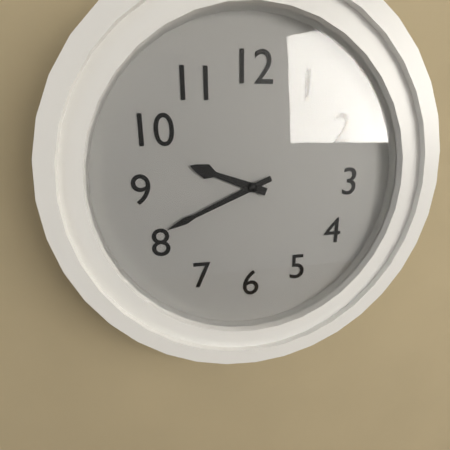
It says 9:41
